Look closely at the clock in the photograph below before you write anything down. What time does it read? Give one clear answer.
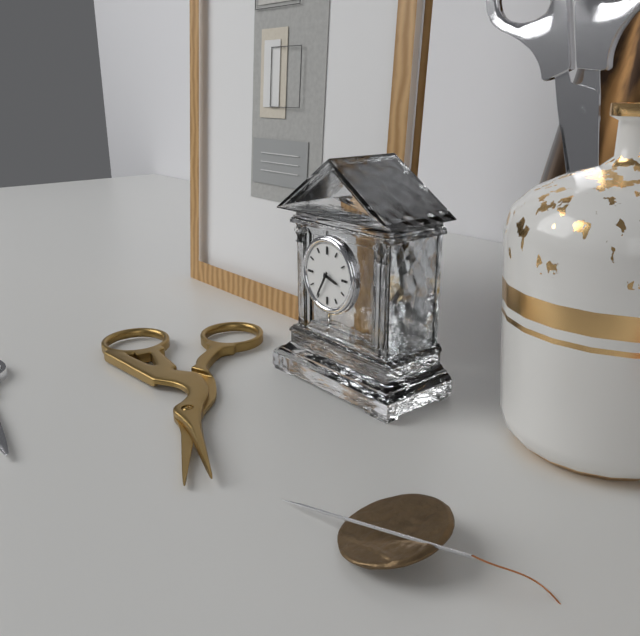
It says 3:35
